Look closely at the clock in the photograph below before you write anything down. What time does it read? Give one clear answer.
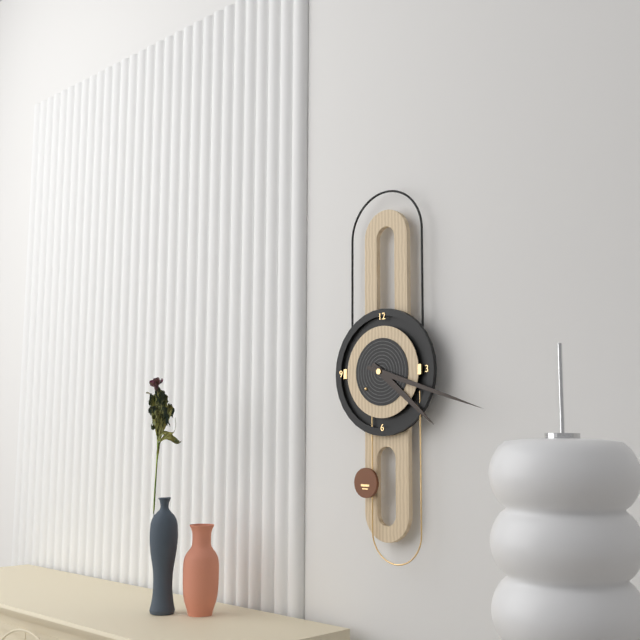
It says 4:18
